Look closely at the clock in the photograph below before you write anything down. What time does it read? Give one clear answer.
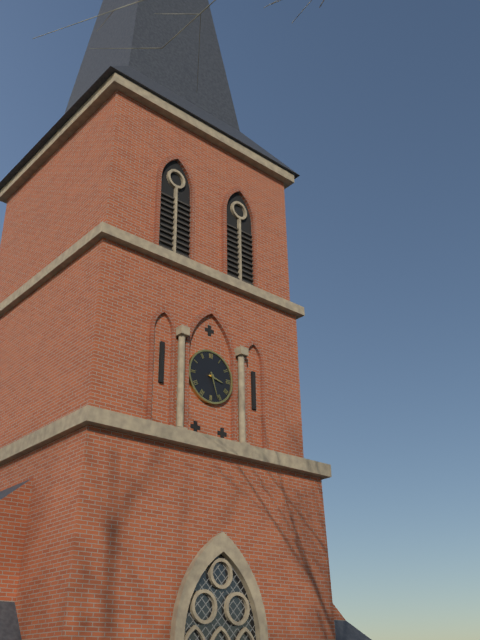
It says 3:27
